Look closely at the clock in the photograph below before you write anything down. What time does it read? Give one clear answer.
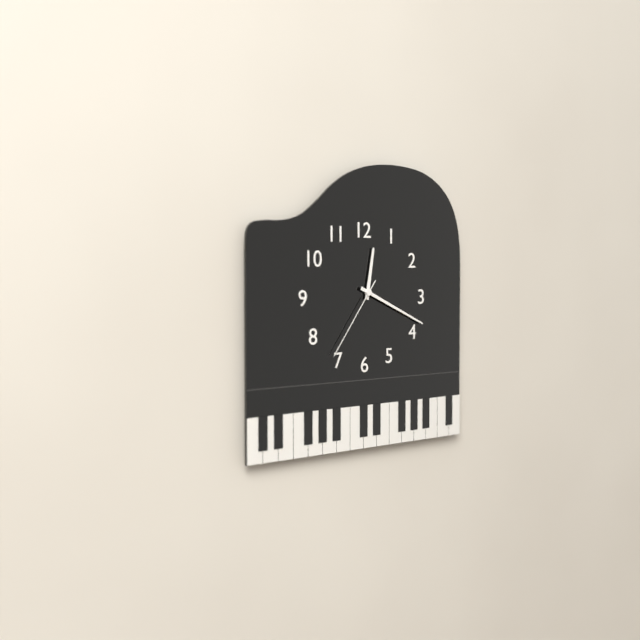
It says 12:19:36
